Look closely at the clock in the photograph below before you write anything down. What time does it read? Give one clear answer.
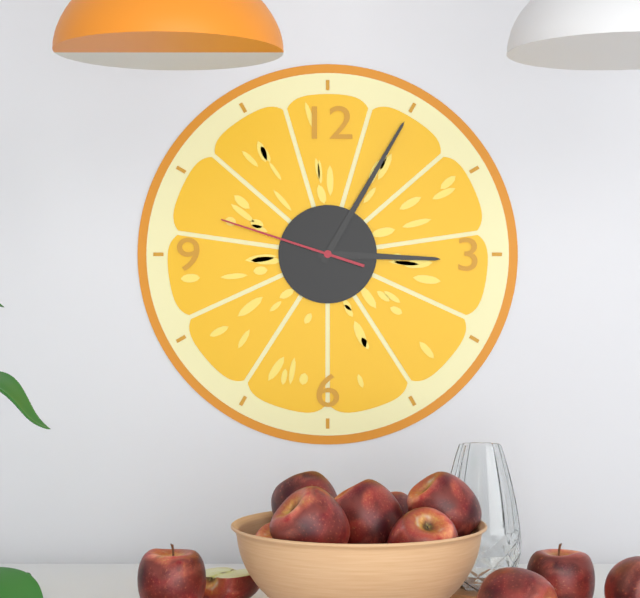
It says 3:05:48
